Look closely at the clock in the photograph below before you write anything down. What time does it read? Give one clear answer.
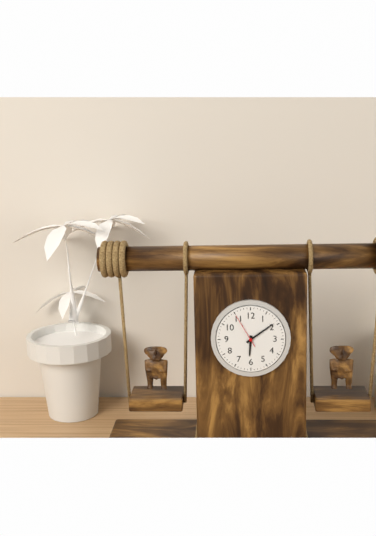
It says 6:09
